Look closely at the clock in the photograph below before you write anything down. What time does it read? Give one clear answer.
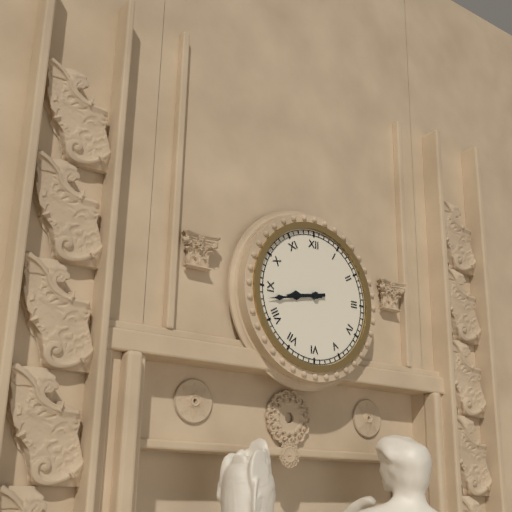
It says 8:43
